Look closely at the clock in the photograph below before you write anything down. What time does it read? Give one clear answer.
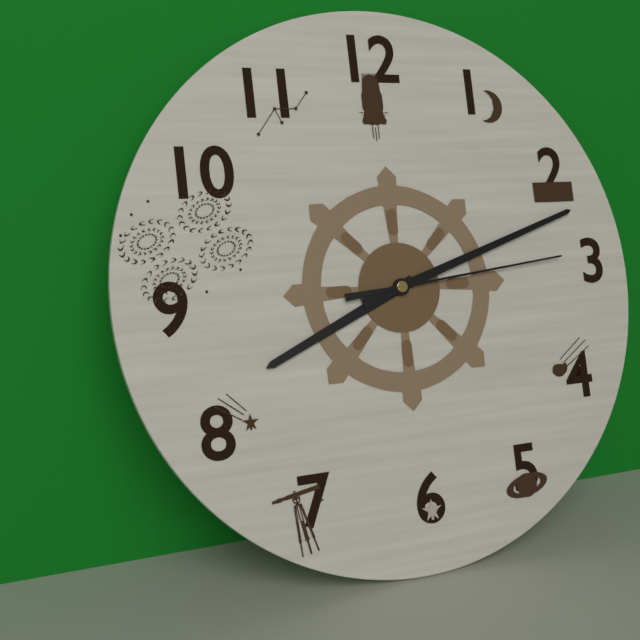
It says 8:12:14
